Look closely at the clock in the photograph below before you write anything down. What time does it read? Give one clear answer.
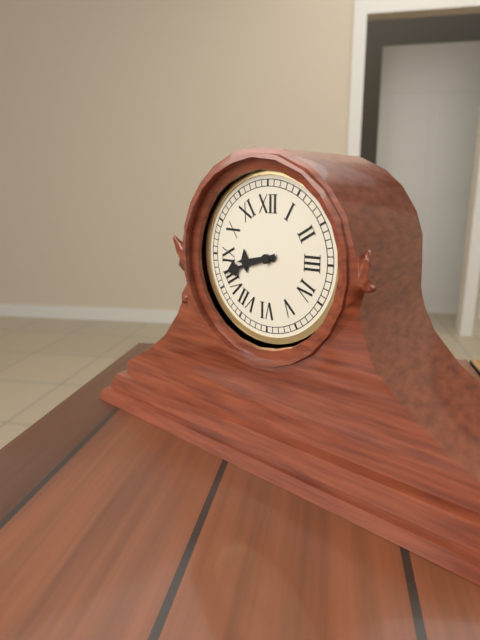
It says 8:42
